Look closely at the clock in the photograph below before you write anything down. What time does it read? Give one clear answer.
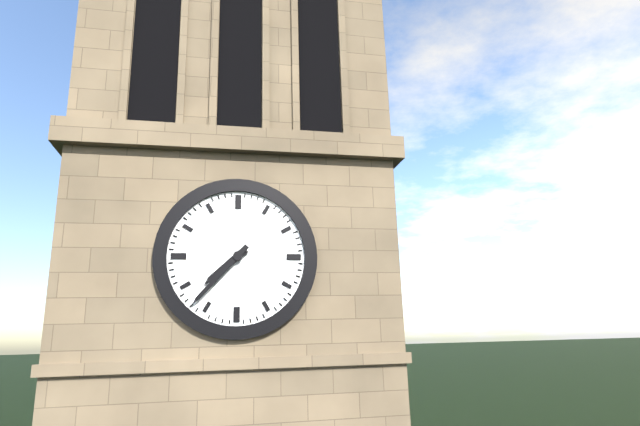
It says 7:37
